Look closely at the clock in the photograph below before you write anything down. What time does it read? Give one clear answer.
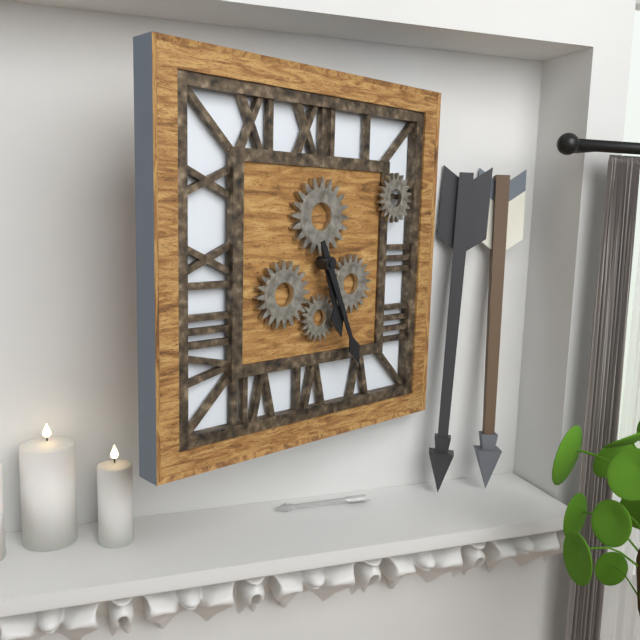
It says 5:26
